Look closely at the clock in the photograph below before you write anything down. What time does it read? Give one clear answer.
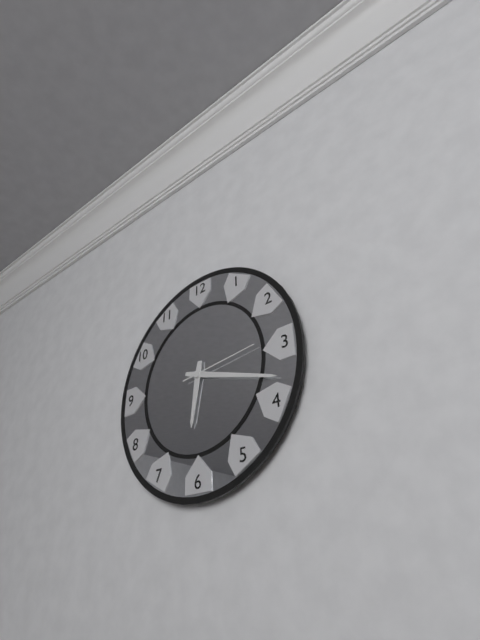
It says 6:18:14
